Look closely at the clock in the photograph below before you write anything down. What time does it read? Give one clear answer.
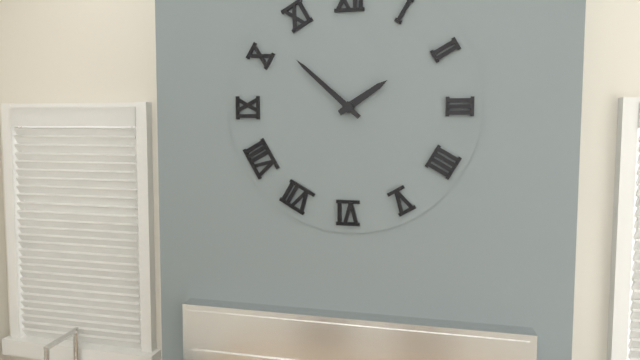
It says 1:52
